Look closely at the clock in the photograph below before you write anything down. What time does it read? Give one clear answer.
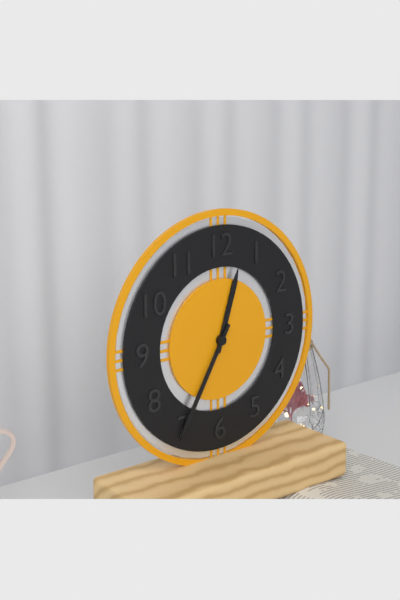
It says 12:35
